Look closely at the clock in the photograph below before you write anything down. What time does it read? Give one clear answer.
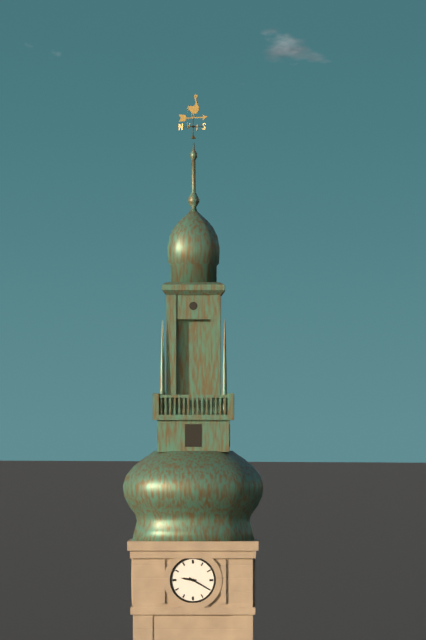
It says 9:20
